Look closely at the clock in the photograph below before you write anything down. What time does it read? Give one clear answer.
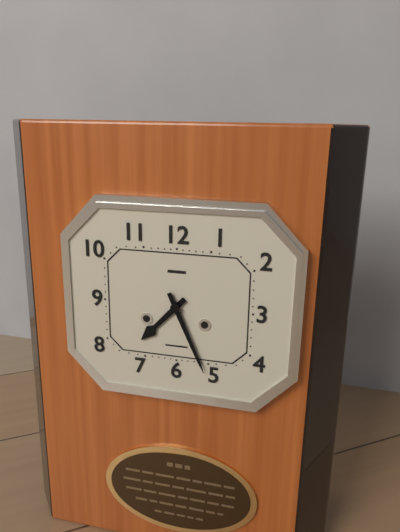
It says 7:26
